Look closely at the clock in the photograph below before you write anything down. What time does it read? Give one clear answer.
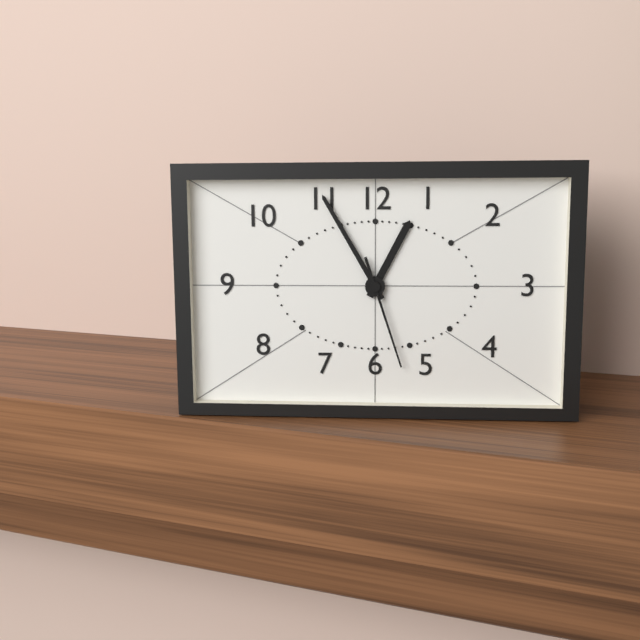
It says 12:55:27
